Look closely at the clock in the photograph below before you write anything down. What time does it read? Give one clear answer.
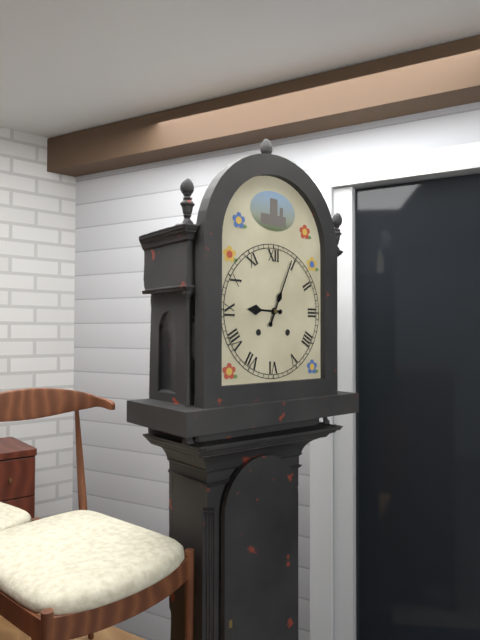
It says 9:04
